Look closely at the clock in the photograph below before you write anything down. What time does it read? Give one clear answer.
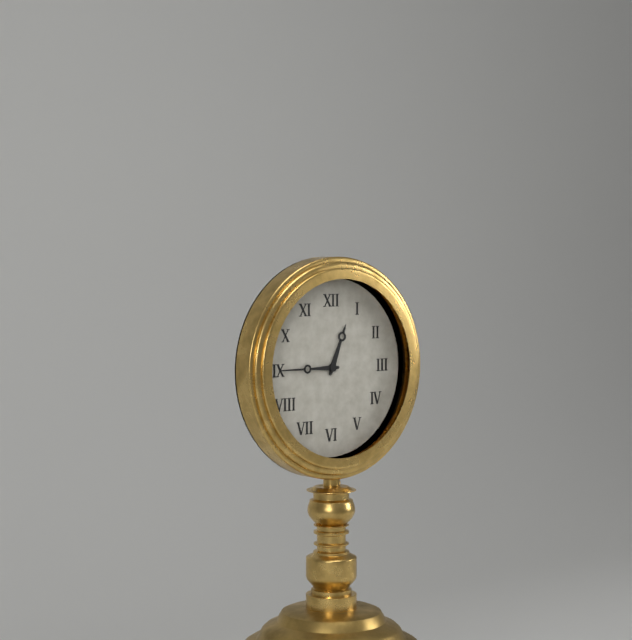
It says 12:45
